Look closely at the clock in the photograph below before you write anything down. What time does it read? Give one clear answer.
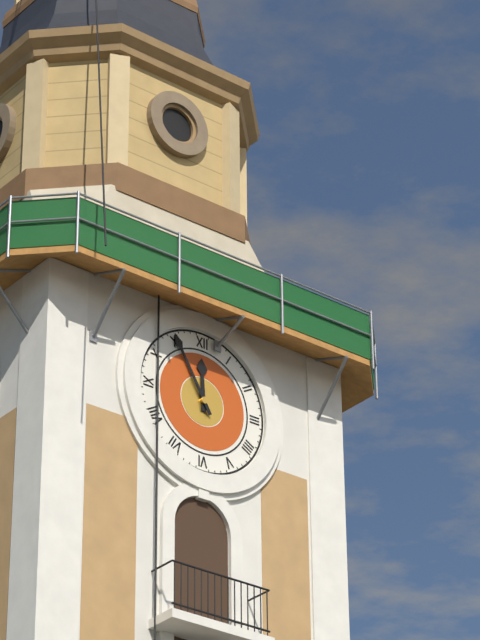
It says 11:55
